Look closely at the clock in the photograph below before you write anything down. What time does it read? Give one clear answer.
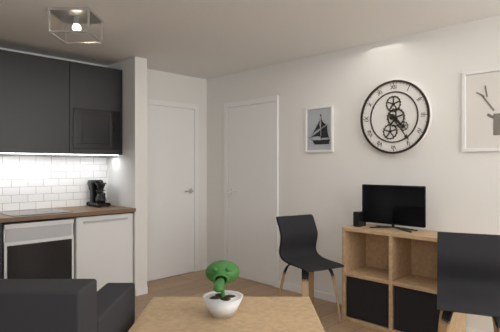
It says 4:24
